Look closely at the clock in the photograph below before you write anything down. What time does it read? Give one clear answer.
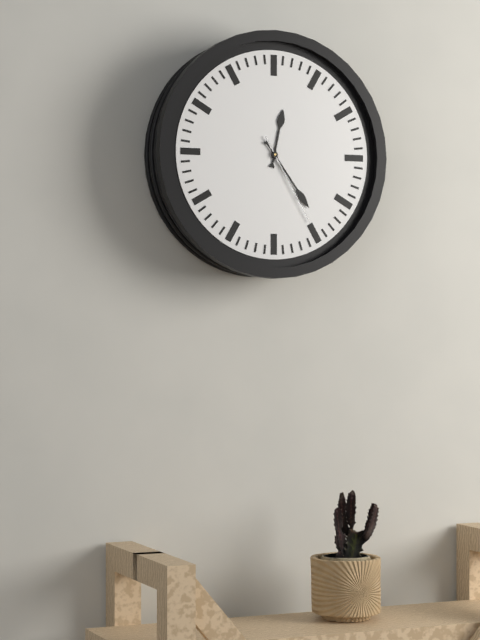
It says 12:24:25
